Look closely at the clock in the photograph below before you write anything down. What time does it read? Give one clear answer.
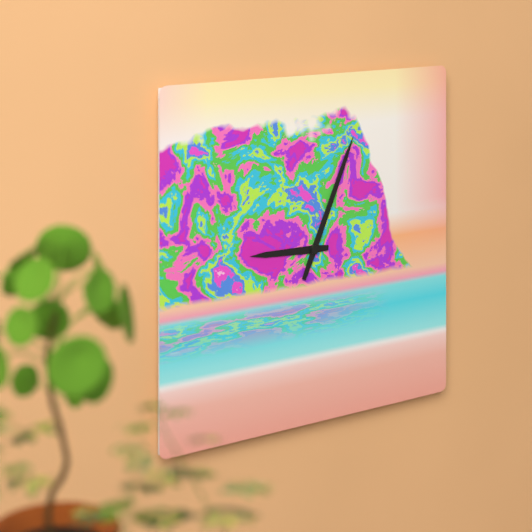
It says 9:04
